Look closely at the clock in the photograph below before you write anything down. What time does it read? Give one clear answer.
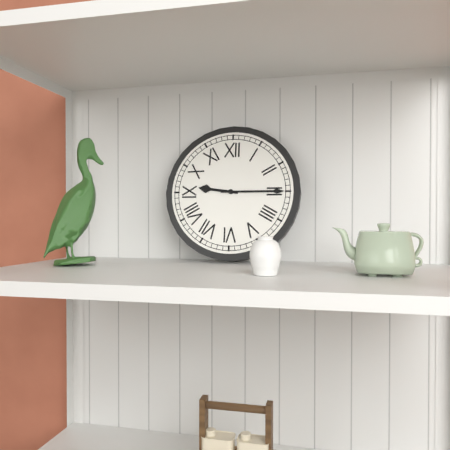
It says 9:15
